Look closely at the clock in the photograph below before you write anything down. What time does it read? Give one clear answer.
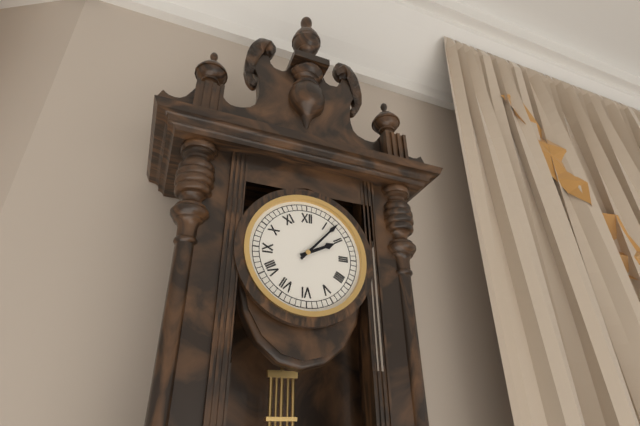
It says 2:07
